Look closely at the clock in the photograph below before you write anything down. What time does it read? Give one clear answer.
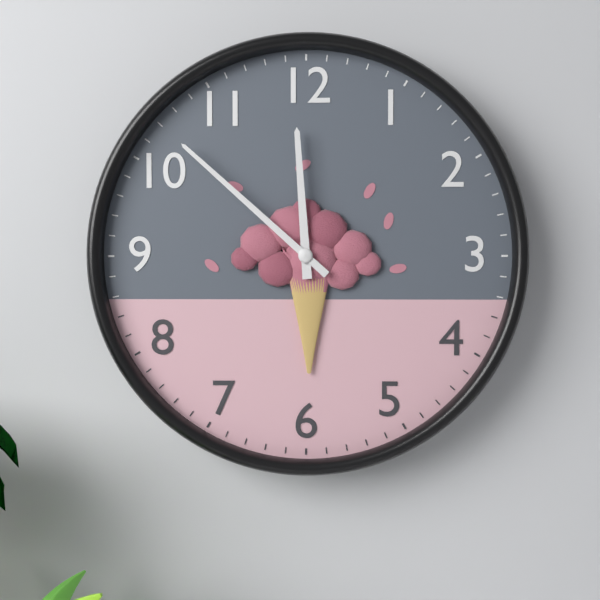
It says 11:52
